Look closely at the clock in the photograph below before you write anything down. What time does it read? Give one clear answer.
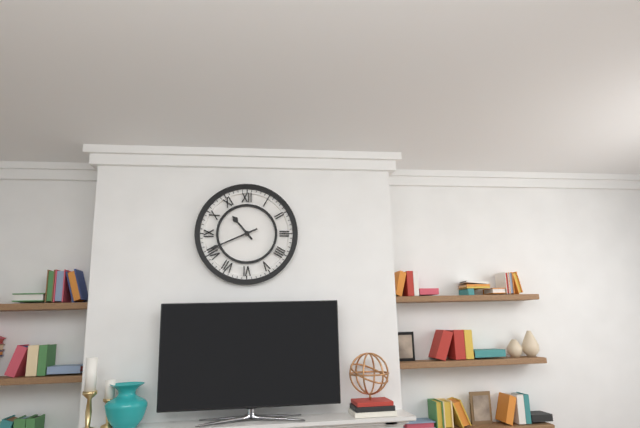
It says 10:41
